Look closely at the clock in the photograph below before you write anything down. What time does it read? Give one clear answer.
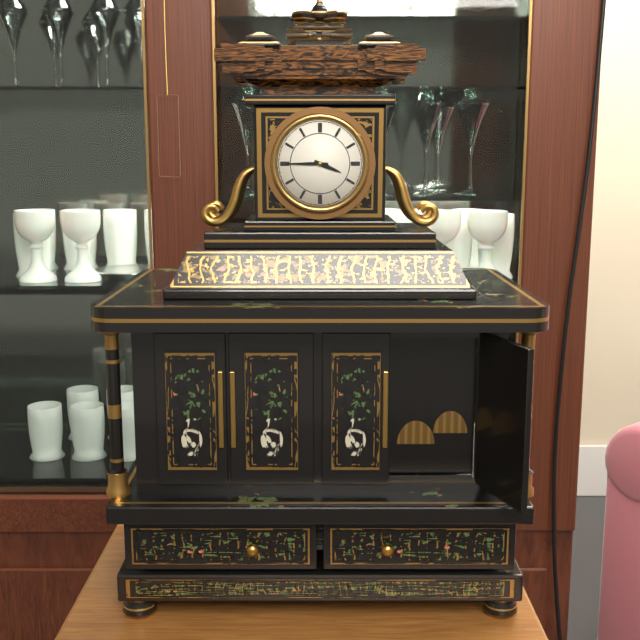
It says 3:45
